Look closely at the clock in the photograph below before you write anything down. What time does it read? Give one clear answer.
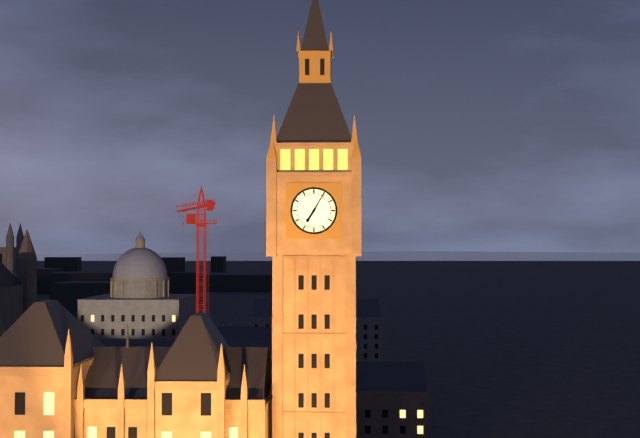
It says 7:05
